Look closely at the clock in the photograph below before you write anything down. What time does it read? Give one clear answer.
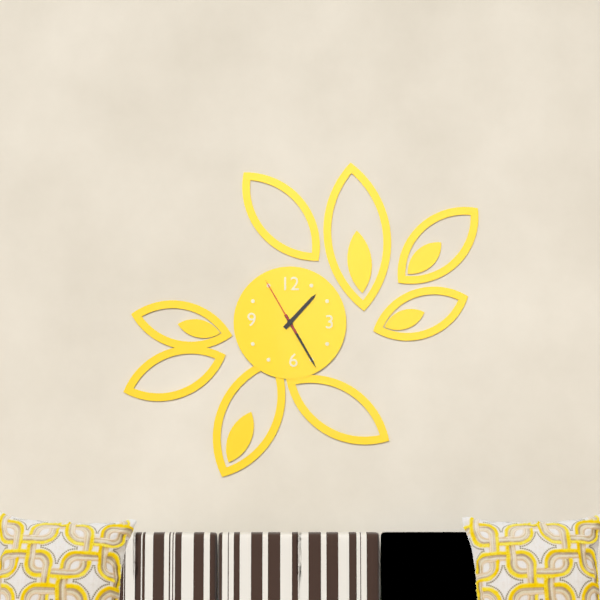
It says 1:25:55
